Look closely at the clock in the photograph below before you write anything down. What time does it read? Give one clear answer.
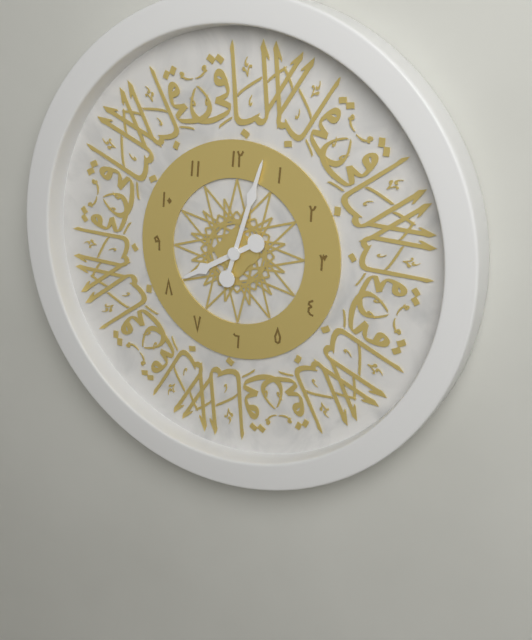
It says 8:03
